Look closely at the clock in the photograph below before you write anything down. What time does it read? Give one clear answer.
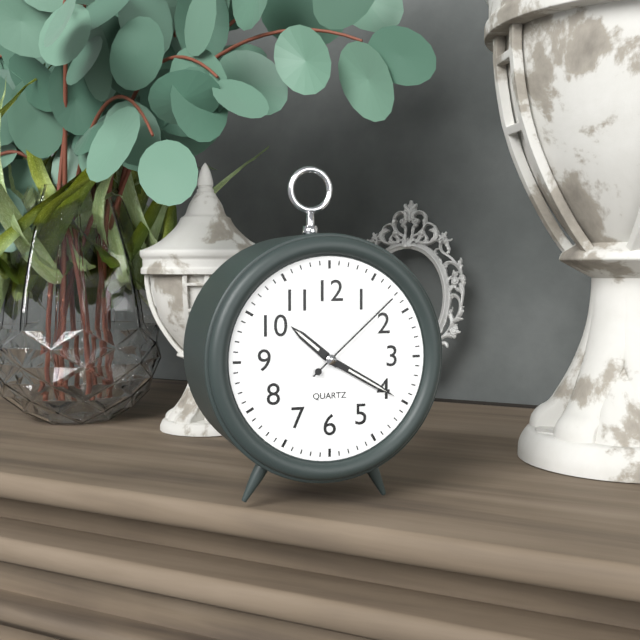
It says 10:20:08
